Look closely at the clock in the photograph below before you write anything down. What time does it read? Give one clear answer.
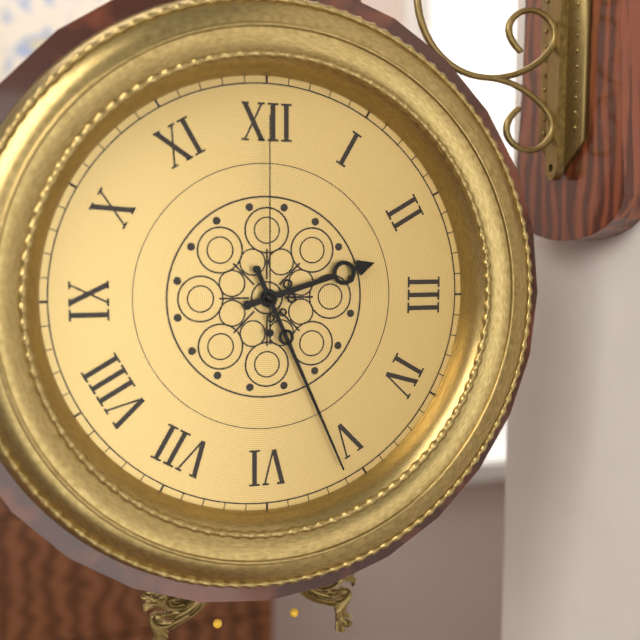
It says 2:26:00
